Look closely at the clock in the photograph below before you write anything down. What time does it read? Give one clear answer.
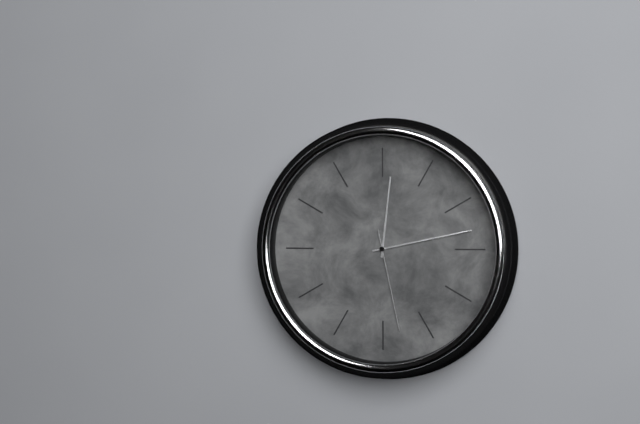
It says 12:13:28
